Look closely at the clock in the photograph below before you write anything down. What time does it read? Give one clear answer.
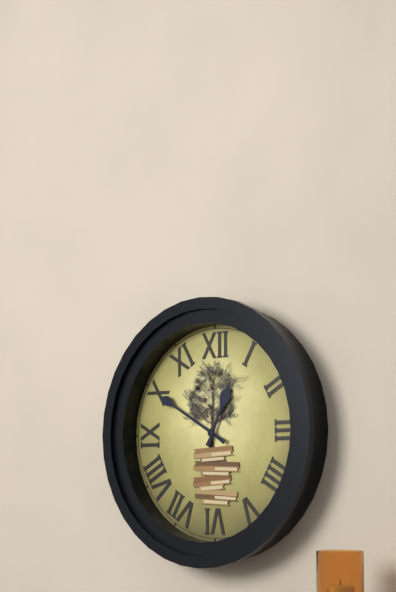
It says 12:50
